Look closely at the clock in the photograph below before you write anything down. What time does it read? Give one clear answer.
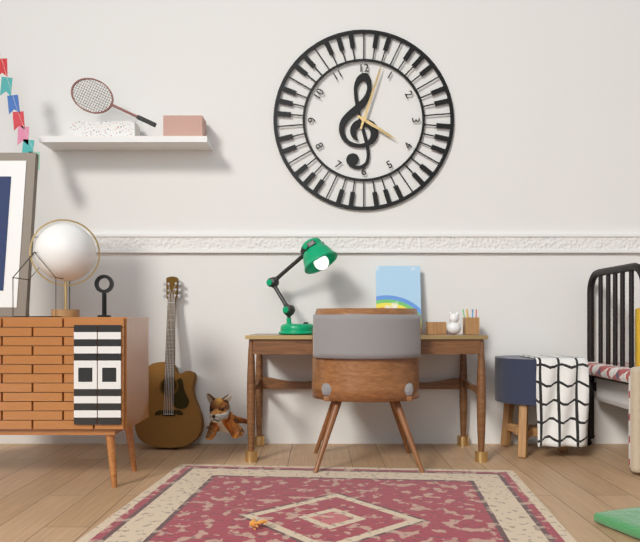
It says 4:03
